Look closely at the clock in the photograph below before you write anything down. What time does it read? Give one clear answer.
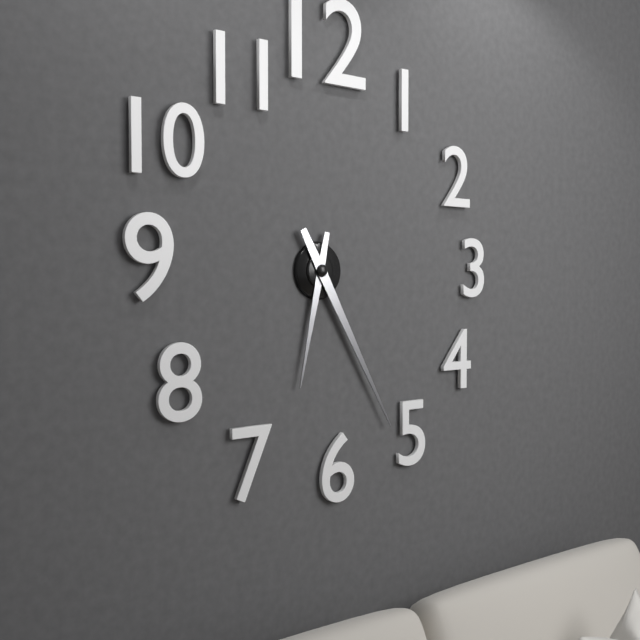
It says 6:25
